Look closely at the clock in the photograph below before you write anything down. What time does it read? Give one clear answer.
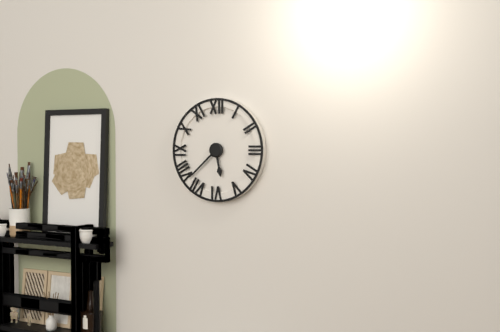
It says 5:38
